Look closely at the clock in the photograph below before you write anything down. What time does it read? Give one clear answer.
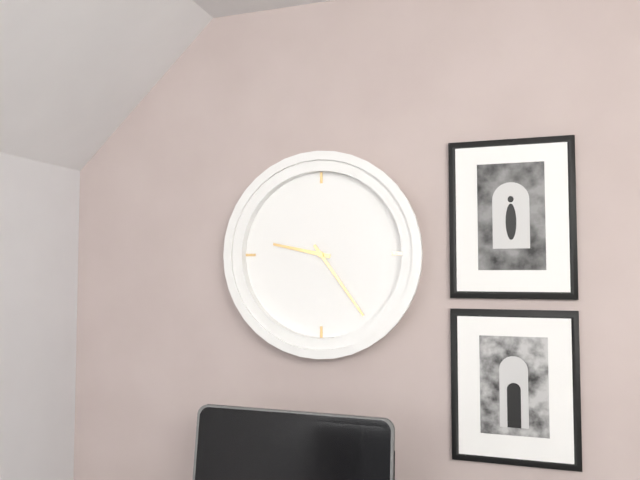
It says 9:24
